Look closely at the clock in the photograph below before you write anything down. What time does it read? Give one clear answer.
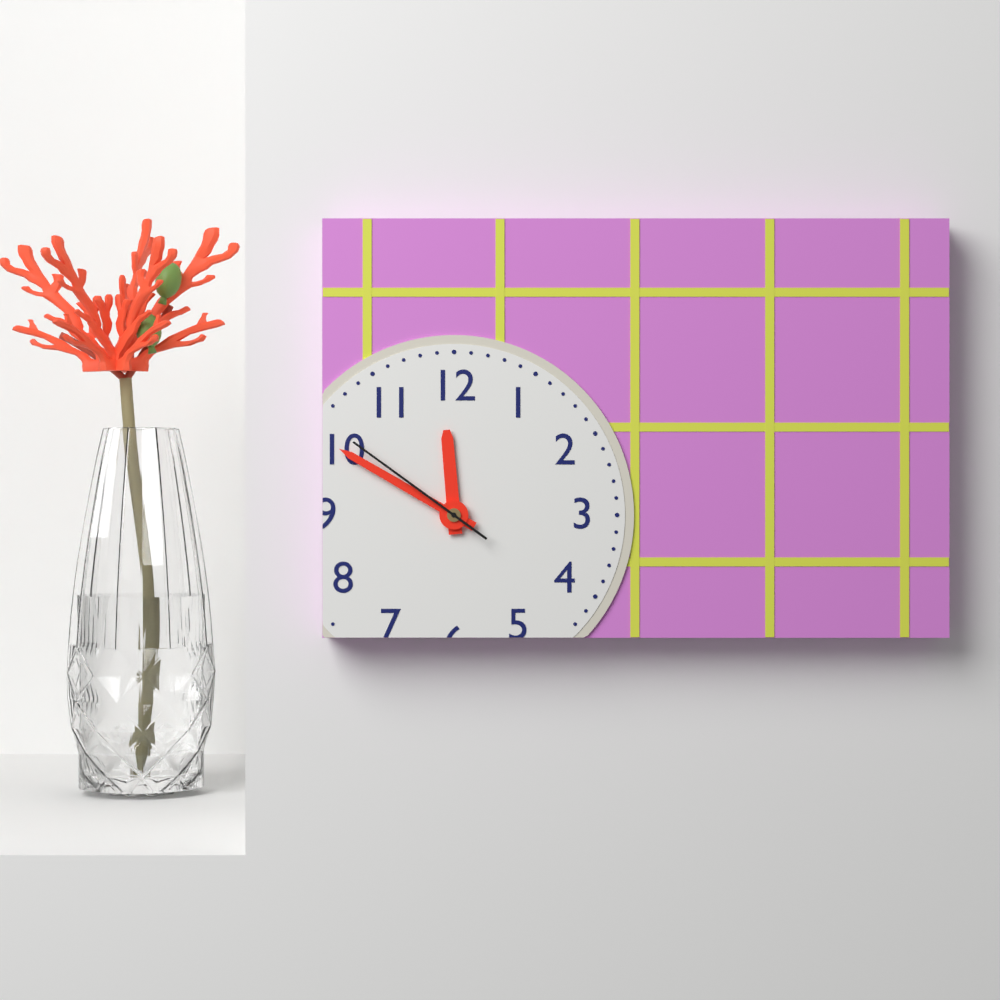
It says 11:50:51
